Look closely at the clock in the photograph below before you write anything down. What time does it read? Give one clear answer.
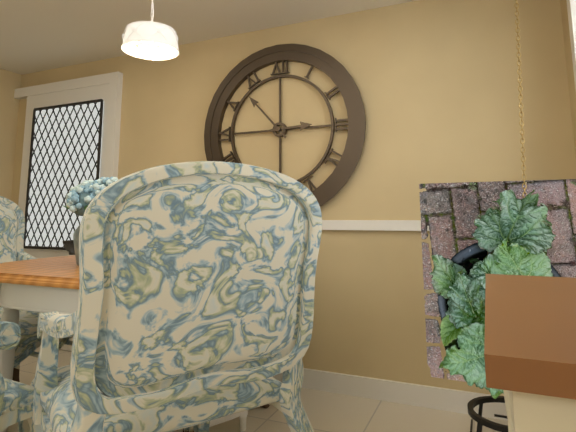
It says 2:53
